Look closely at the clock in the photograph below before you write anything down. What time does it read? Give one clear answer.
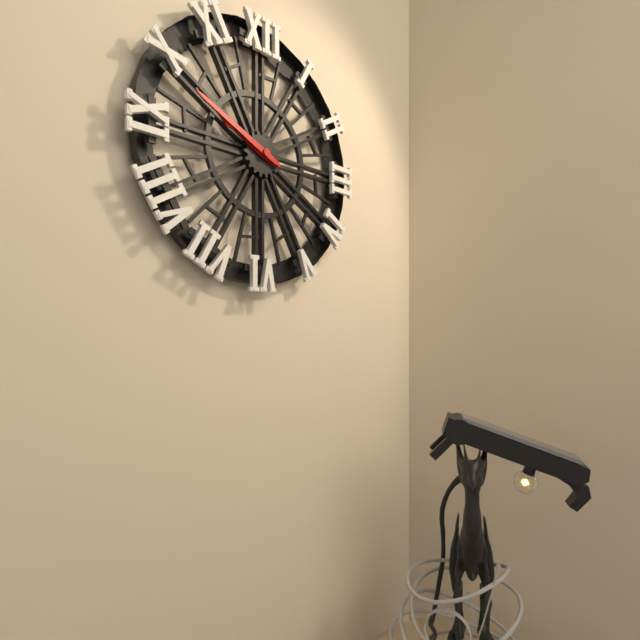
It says 9:49
